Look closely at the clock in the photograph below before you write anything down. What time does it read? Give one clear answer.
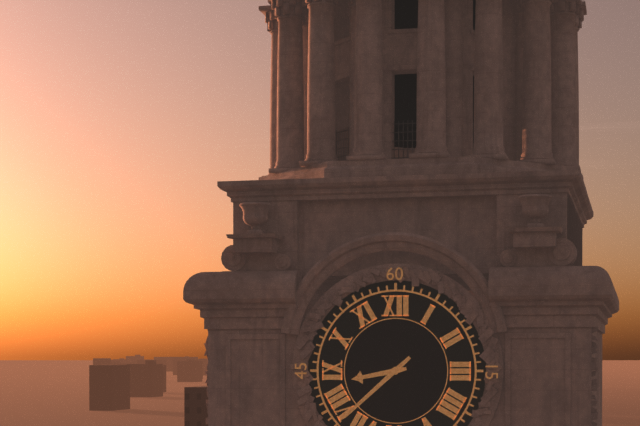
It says 8:38
